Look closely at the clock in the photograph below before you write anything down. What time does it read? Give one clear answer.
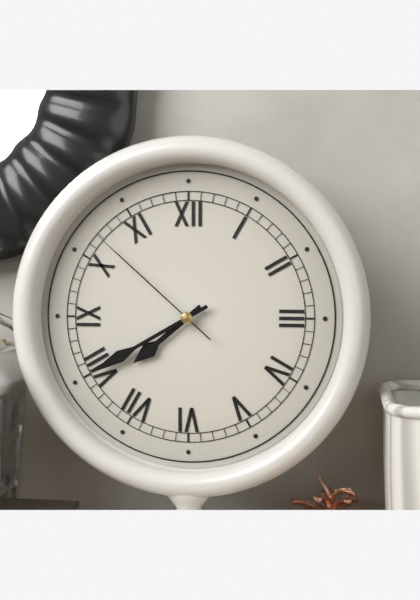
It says 7:40:52
